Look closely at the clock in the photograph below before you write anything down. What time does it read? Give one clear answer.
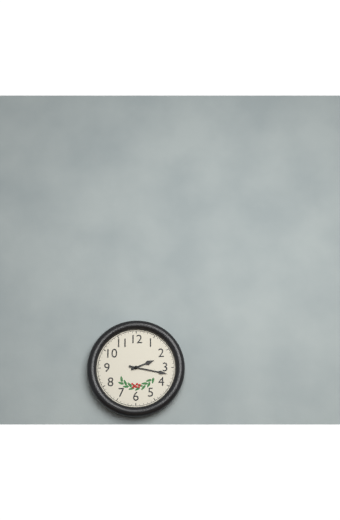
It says 2:17
